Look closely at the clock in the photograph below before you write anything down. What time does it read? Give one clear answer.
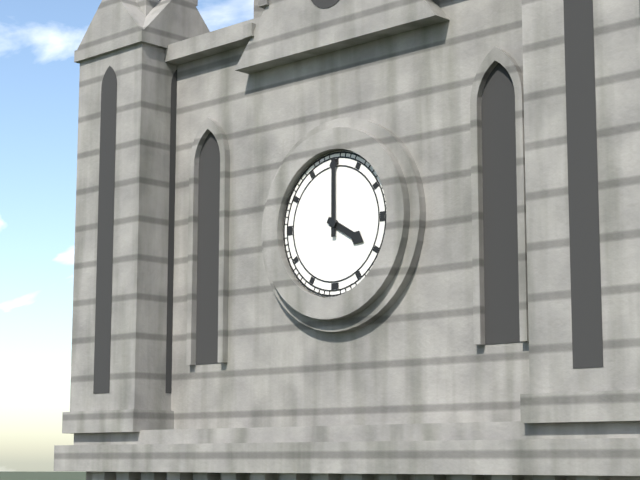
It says 4:00
